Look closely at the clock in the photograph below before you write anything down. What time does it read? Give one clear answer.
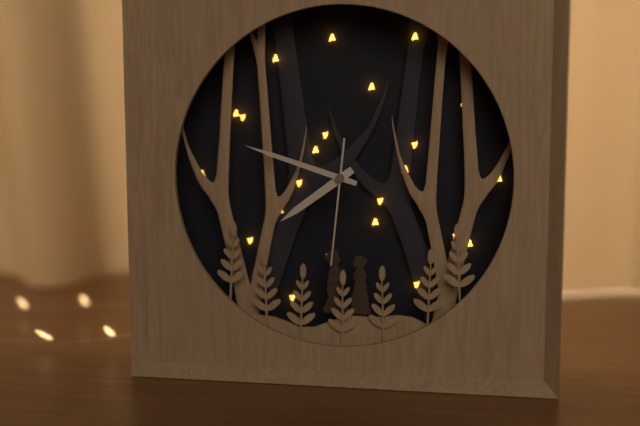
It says 7:48:31
